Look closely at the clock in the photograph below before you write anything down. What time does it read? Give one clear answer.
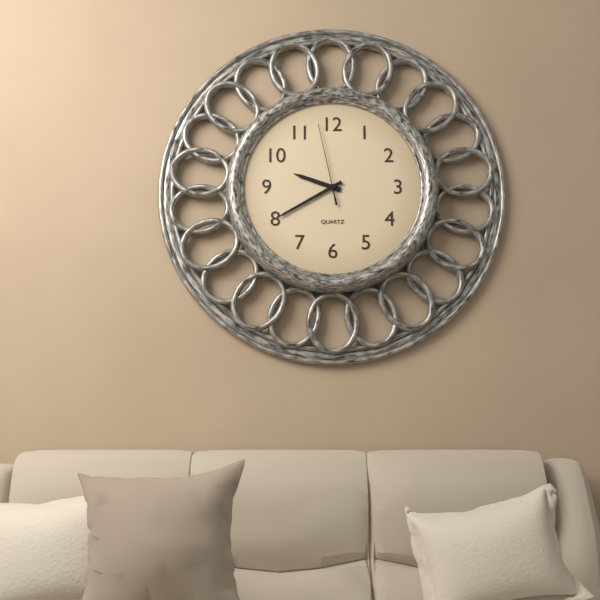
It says 9:40:58
